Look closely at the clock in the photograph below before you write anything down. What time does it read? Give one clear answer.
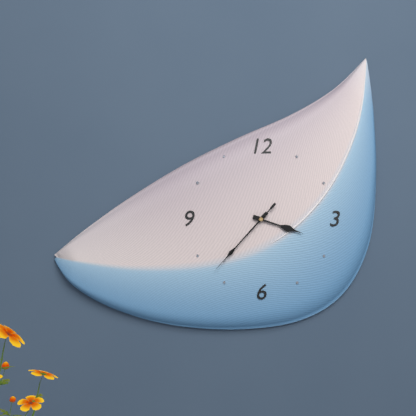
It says 3:37:37
